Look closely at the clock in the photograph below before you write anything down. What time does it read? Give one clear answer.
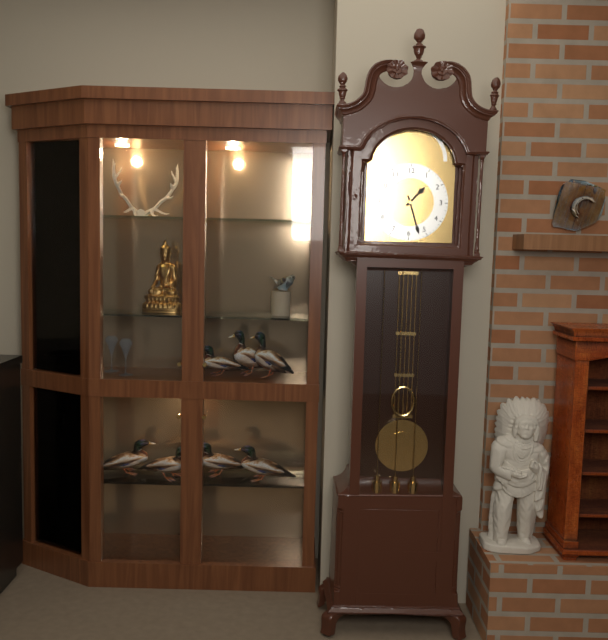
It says 1:27
